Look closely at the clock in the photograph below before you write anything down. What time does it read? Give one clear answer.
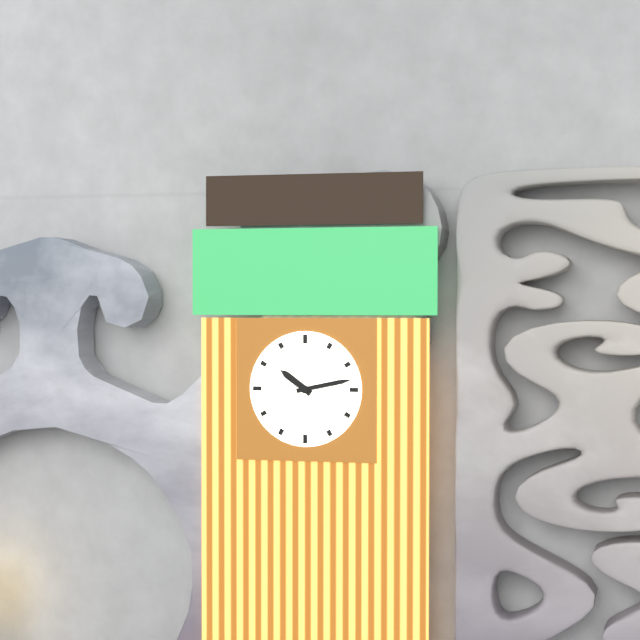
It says 10:13
